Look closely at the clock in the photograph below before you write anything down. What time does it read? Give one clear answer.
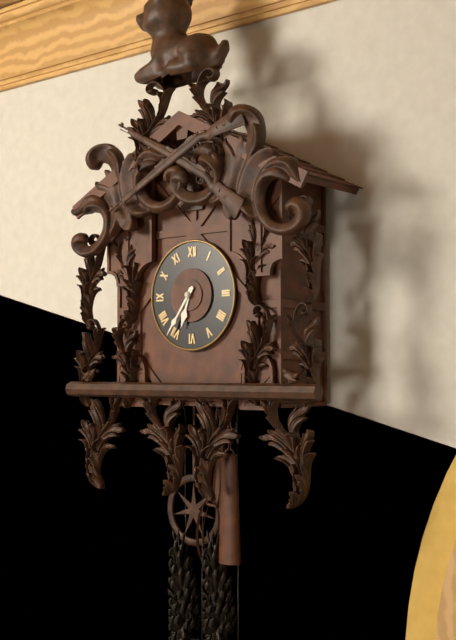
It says 6:36
